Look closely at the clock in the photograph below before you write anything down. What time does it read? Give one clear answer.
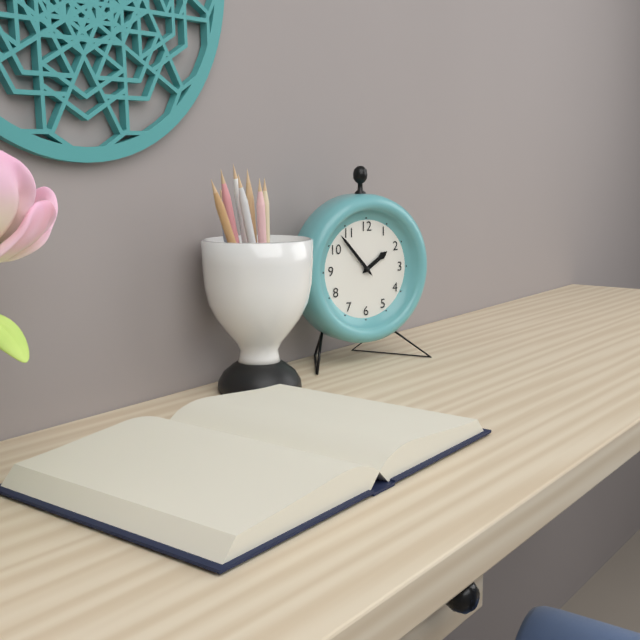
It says 1:53
